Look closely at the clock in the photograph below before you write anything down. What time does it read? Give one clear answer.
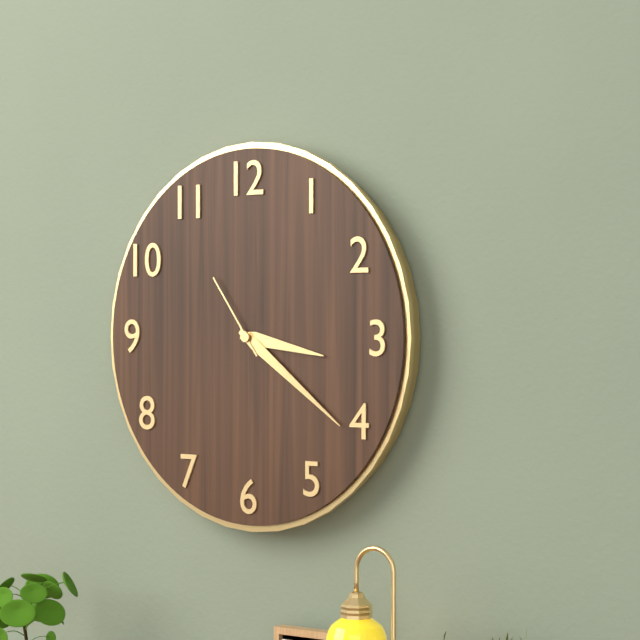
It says 3:21:54
